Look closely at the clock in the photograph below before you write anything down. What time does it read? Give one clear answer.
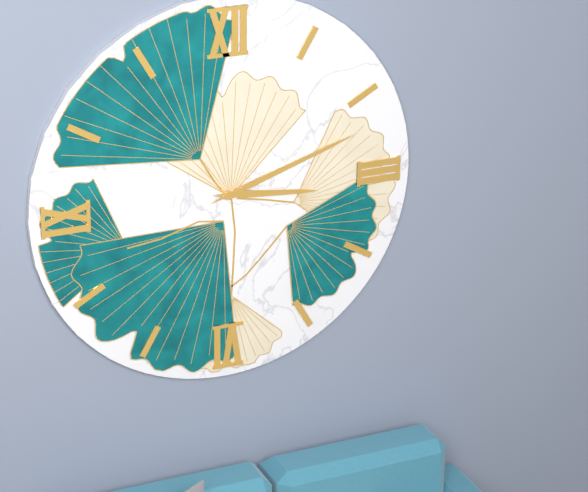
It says 3:12
